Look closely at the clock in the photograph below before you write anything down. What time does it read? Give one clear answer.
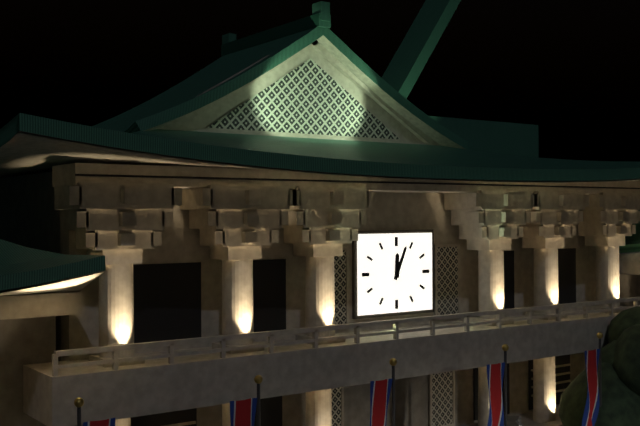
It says 12:04
